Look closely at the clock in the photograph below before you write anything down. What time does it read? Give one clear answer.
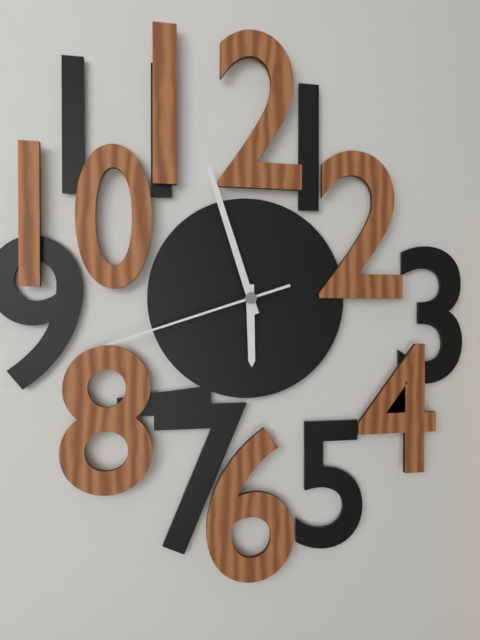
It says 5:57:42
